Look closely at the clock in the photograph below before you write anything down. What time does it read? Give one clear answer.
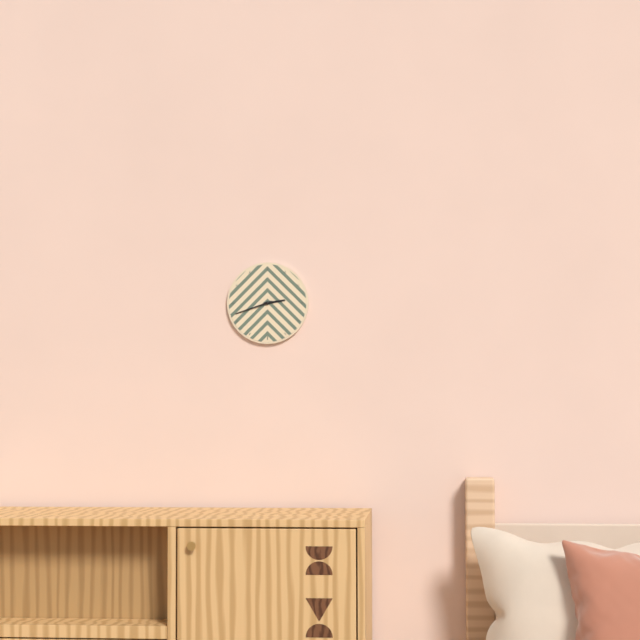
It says 2:42
